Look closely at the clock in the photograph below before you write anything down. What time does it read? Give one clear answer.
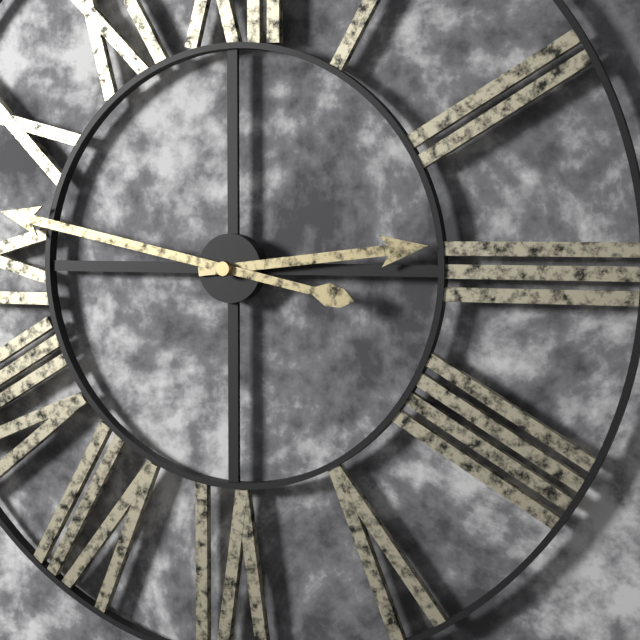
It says 2:47
